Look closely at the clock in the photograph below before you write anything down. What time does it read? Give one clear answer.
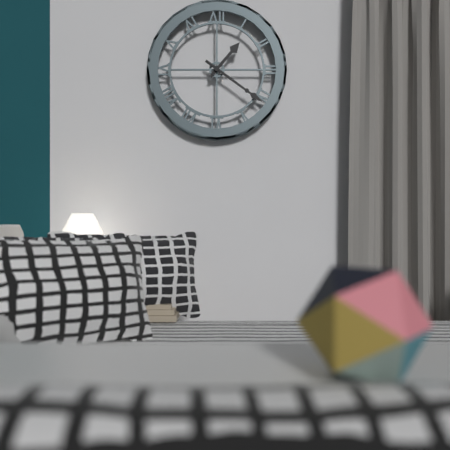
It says 1:21
